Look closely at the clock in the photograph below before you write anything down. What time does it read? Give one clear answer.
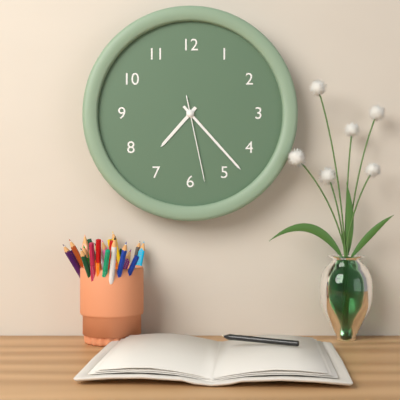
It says 7:23:28
